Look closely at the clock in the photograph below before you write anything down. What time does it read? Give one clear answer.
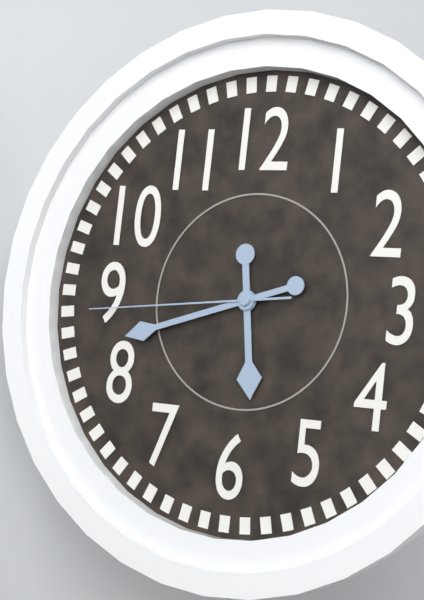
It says 5:42:44
